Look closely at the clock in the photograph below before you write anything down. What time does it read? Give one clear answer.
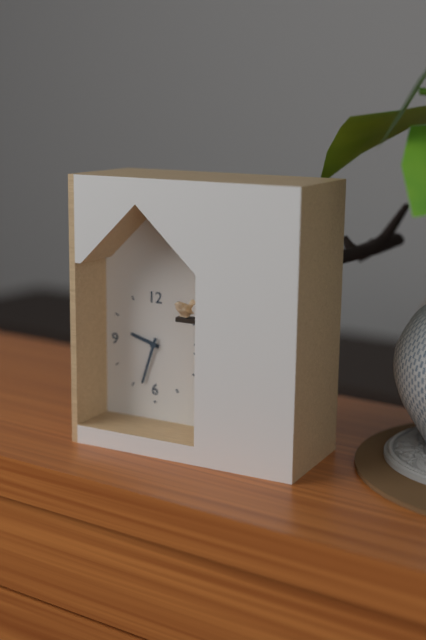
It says 9:33
